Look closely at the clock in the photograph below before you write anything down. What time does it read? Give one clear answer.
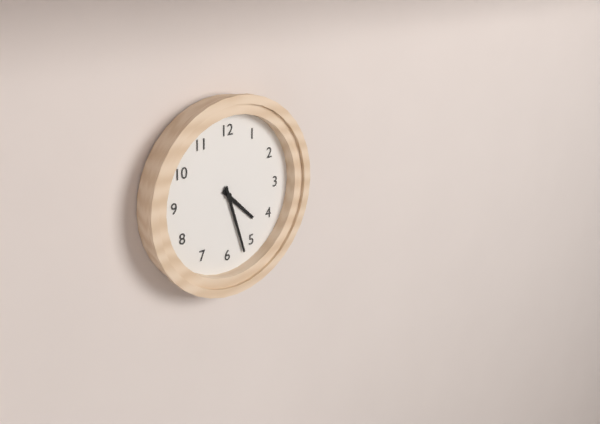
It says 4:27
